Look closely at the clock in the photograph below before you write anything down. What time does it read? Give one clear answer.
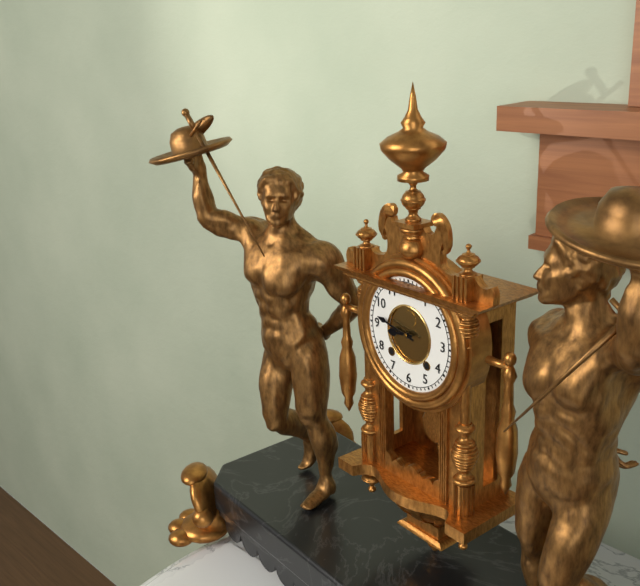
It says 8:47
